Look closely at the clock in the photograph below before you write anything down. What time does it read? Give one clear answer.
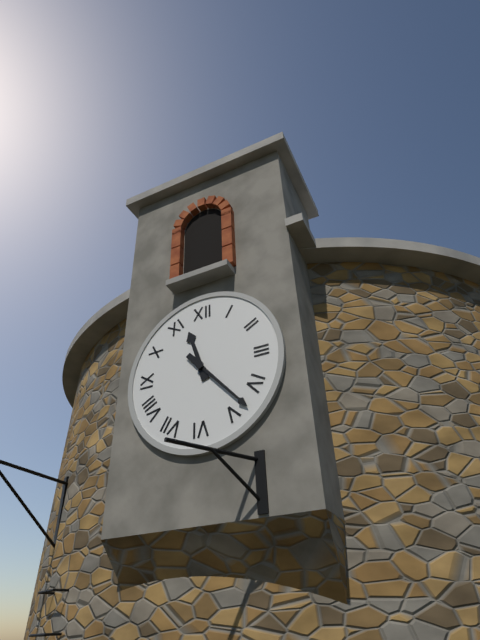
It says 11:23
